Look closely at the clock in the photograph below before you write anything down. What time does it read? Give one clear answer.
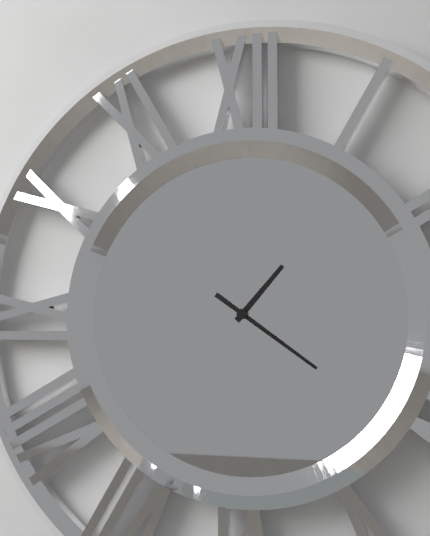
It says 1:21
